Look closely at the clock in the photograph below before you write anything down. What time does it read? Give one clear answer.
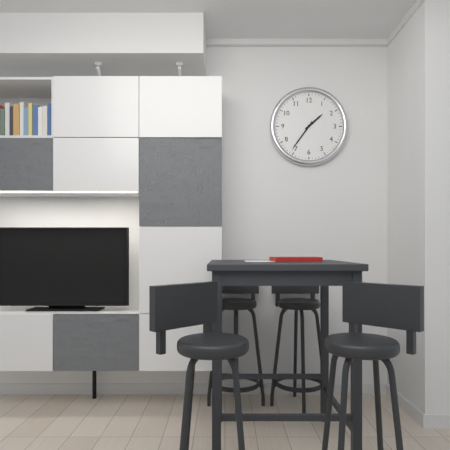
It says 1:36
